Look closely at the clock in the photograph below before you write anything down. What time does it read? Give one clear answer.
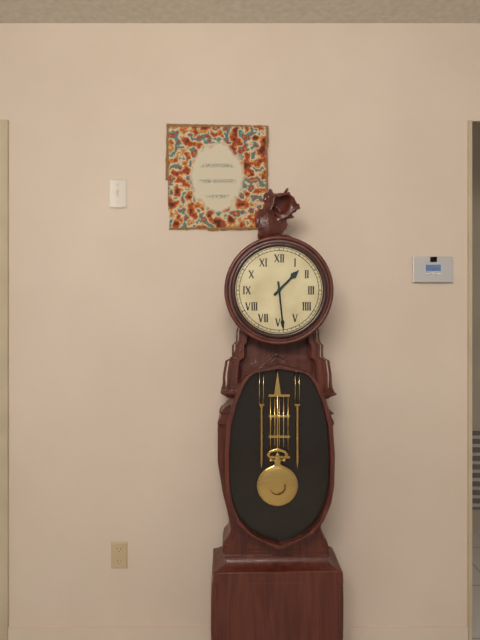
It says 1:29
